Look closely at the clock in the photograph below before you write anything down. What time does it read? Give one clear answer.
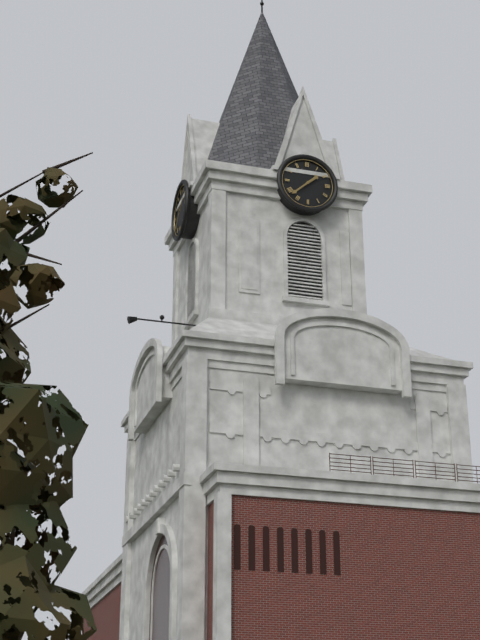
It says 1:38
